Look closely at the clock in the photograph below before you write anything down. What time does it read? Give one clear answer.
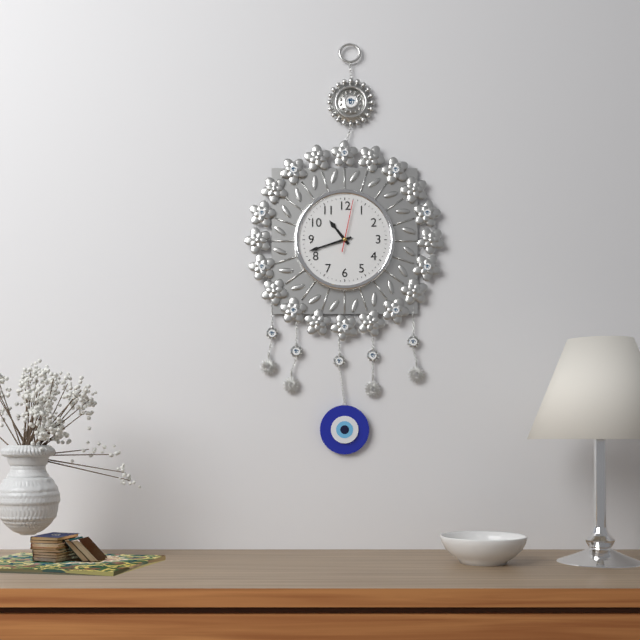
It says 10:42:02
